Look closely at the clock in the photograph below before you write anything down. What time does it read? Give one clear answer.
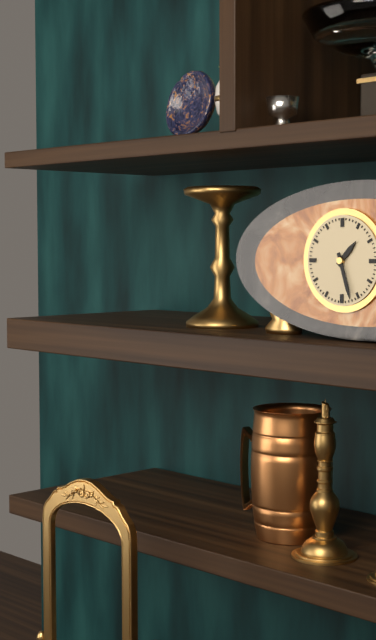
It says 1:27
